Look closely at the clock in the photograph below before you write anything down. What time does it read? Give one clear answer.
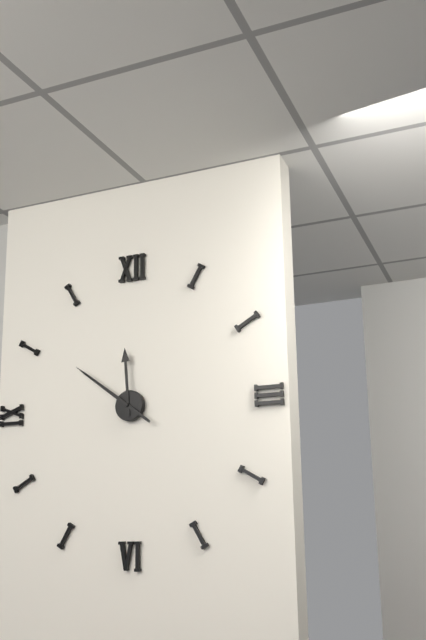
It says 11:51
